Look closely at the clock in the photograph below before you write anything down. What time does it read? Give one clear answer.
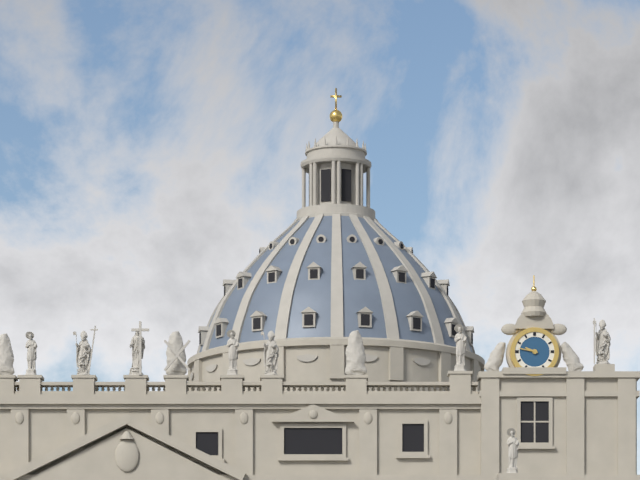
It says 9:47
